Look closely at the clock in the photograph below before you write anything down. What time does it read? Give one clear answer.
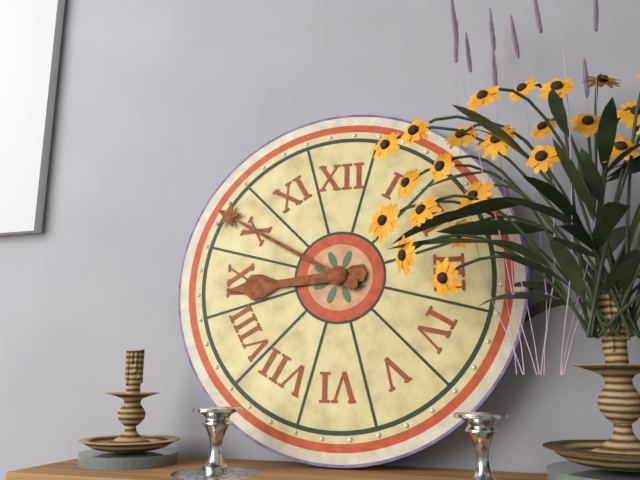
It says 8:50
